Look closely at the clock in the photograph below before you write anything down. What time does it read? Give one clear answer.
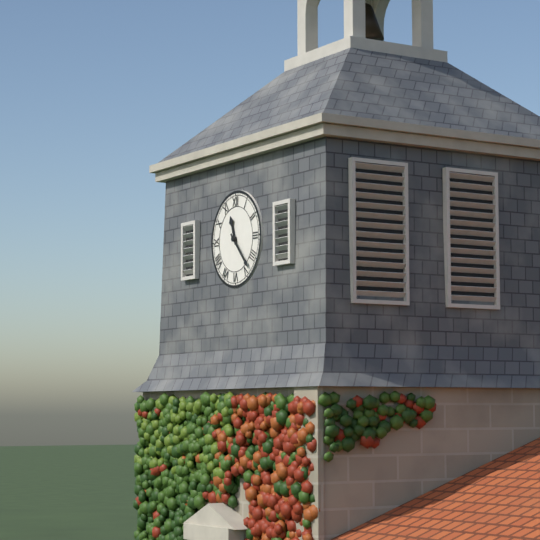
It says 11:23
